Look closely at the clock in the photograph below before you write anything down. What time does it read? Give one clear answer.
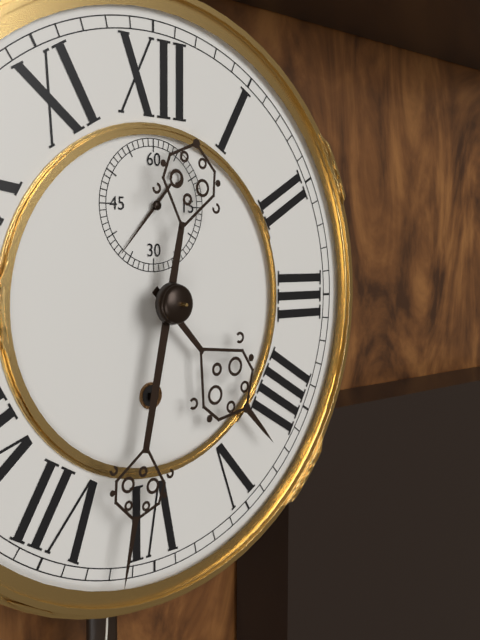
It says 4:32:37
